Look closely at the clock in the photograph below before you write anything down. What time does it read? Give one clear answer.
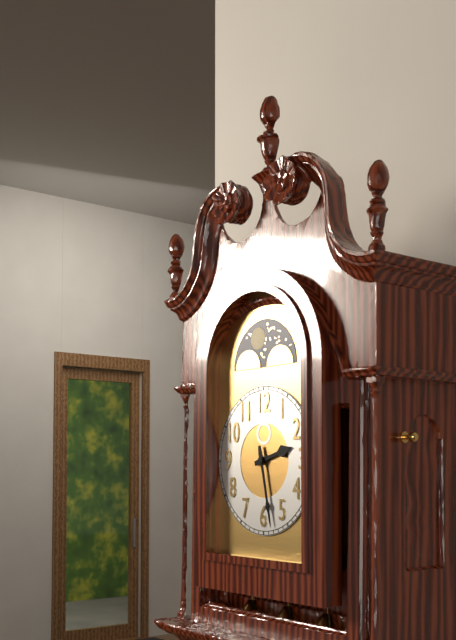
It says 2:28
